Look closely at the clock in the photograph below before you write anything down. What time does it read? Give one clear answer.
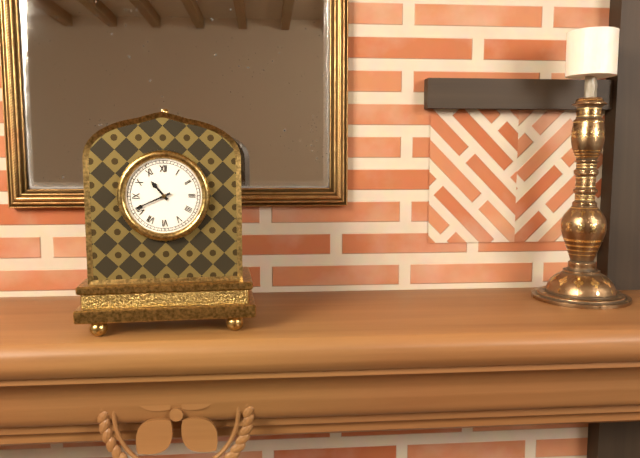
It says 10:41
